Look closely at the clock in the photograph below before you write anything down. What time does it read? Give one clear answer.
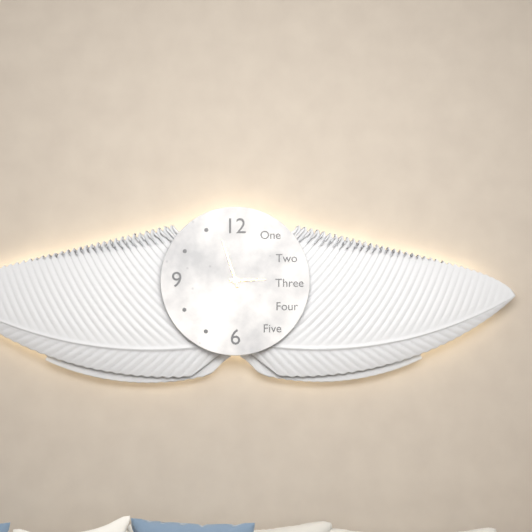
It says 2:57
